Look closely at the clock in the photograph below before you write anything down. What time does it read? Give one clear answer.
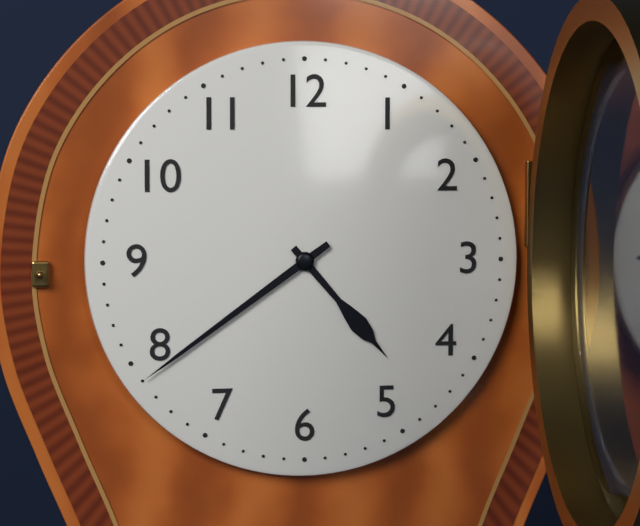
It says 4:39
